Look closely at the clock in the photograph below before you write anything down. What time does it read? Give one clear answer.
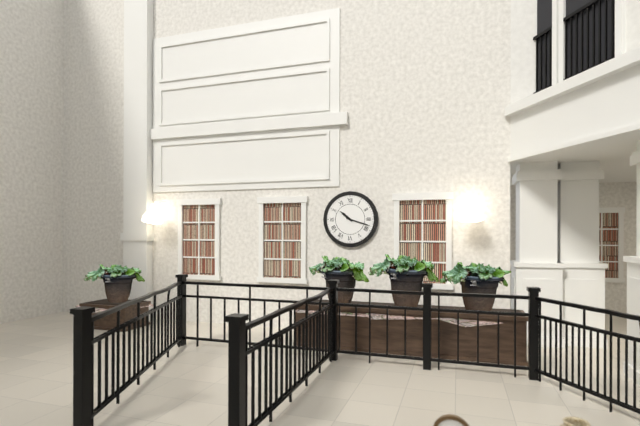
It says 10:18
